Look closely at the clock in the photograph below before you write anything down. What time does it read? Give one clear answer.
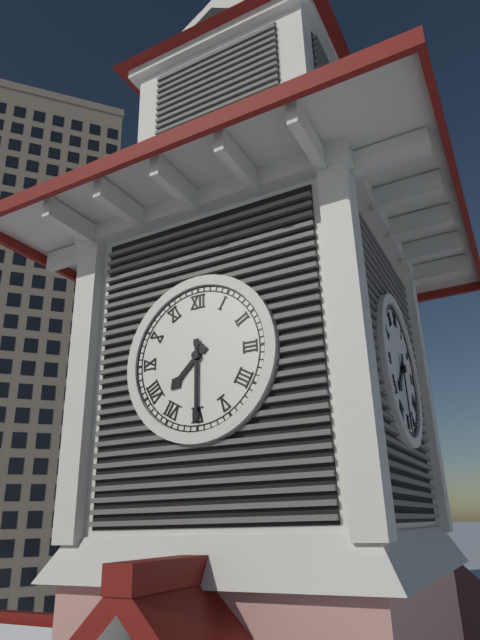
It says 7:30
